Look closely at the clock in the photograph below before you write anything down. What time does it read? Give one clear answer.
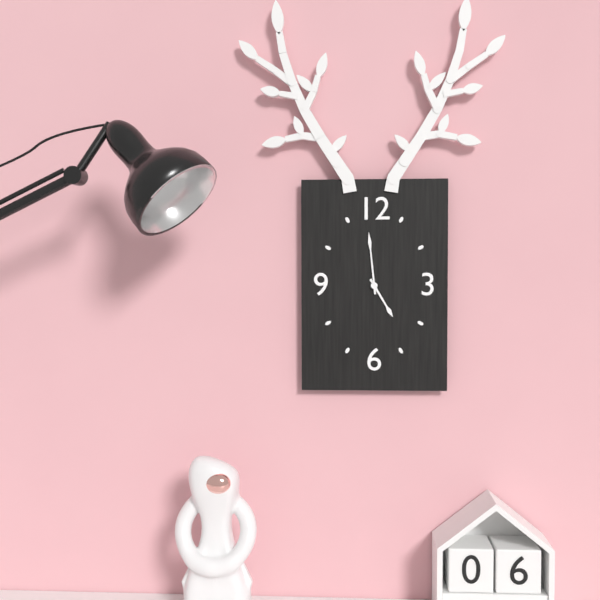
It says 4:59
